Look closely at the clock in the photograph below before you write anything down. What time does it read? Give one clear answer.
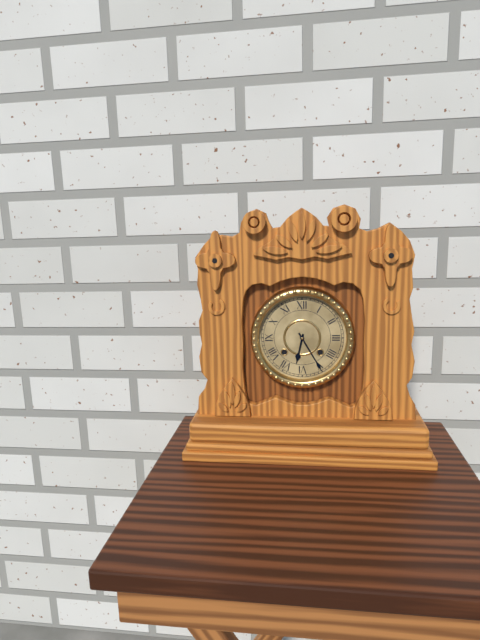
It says 6:25
